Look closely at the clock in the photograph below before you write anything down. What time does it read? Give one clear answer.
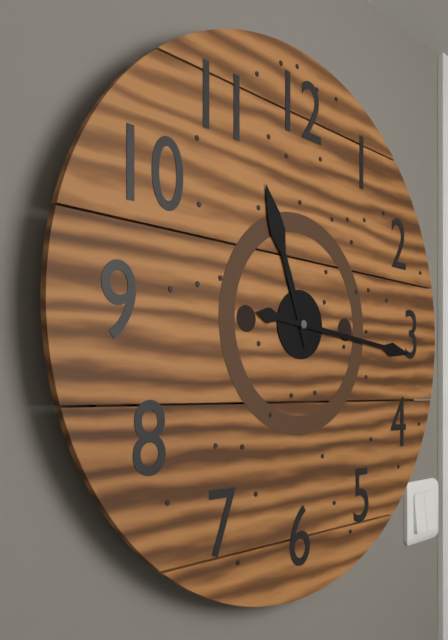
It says 11:16
